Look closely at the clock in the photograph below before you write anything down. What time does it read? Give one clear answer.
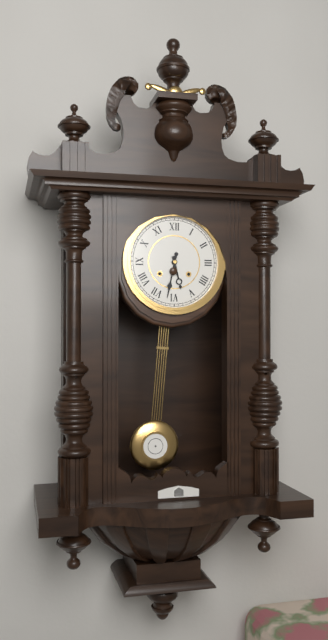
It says 5:32
